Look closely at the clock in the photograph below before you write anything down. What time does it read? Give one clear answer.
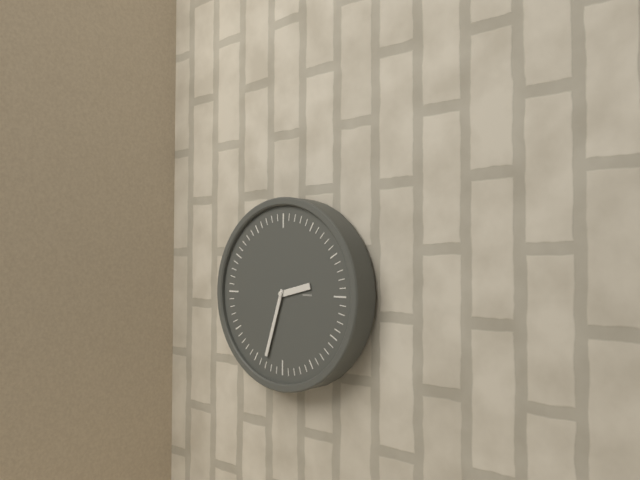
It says 2:33
